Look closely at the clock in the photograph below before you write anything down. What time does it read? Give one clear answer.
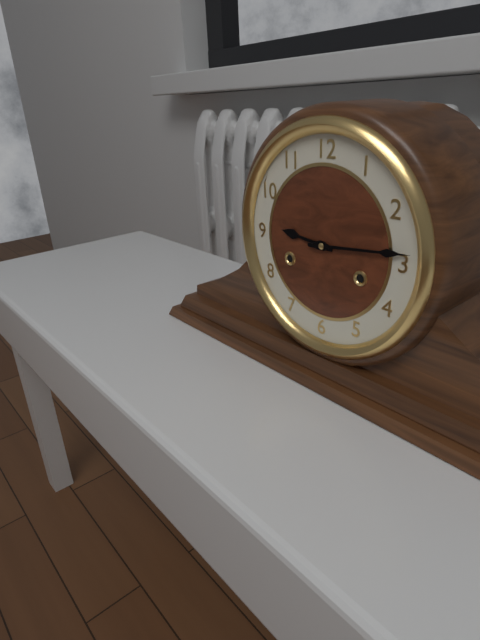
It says 9:14
